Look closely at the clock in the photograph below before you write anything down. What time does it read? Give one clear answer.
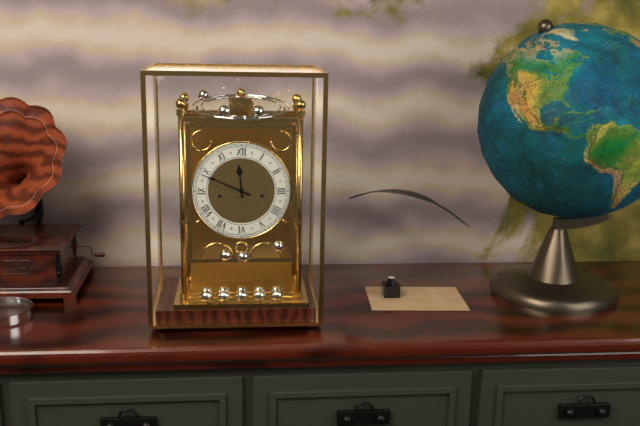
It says 11:49
